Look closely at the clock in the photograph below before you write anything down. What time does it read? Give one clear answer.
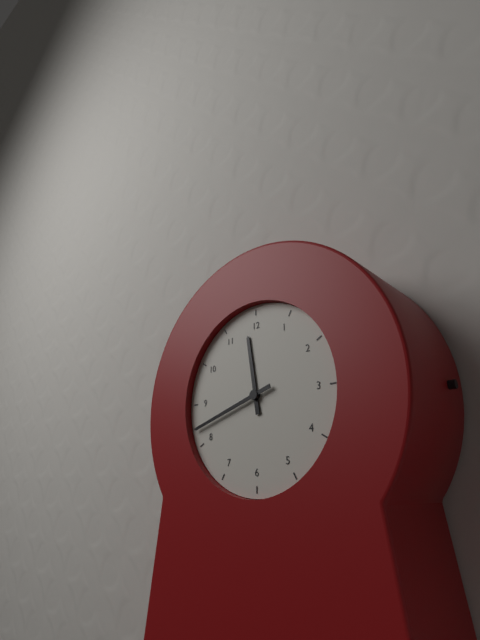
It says 11:42
